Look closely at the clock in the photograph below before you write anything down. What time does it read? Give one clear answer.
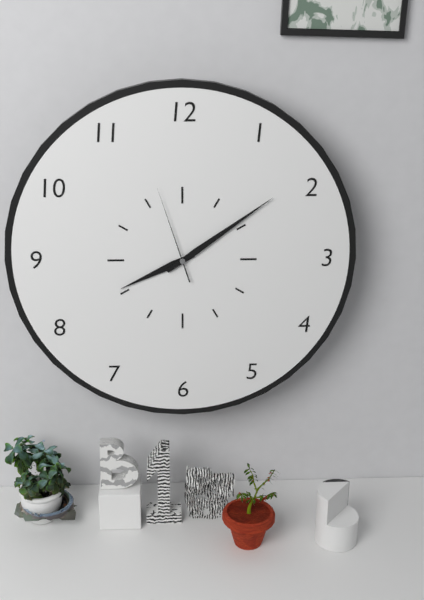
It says 8:09:57
